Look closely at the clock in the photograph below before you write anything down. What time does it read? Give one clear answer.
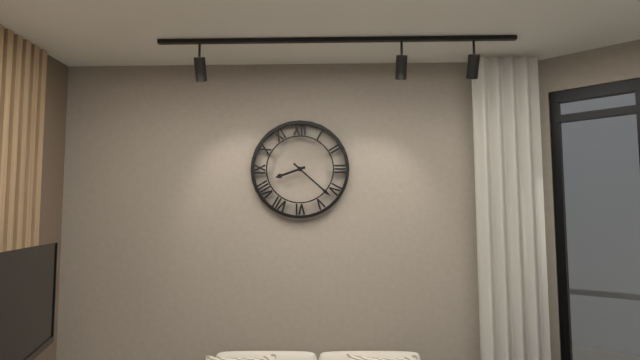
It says 8:22
